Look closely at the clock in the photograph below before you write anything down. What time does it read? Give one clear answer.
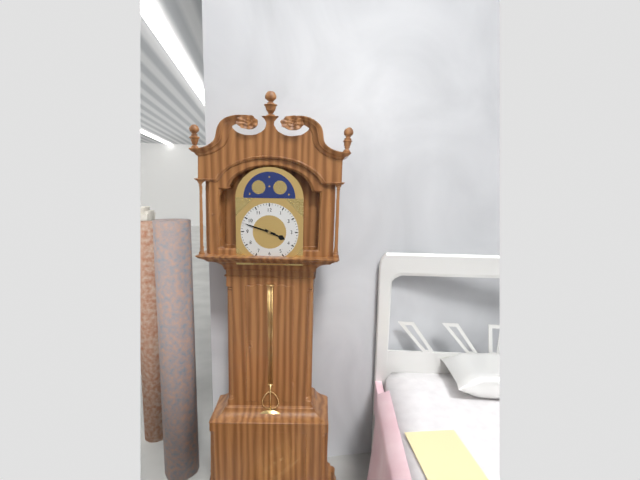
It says 3:48
